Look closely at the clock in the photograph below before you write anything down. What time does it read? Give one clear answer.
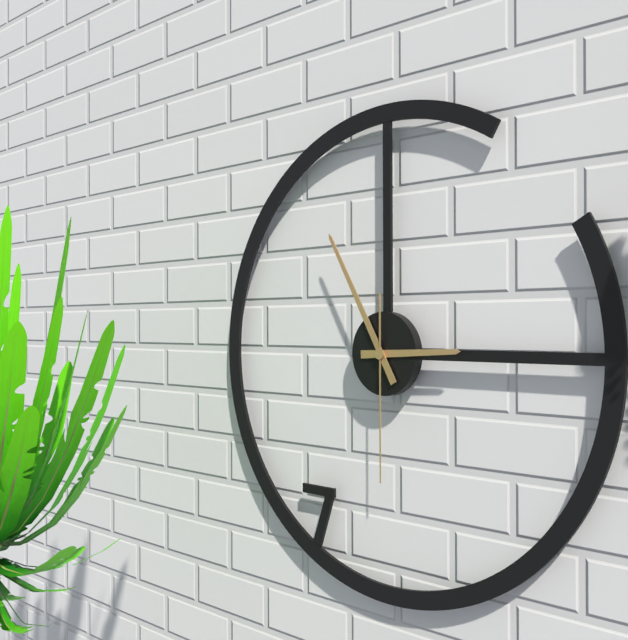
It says 2:55:30
